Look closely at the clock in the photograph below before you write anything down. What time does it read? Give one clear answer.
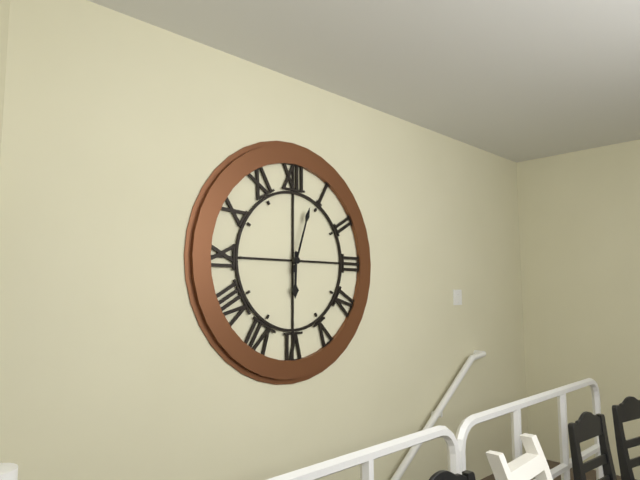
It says 6:03
